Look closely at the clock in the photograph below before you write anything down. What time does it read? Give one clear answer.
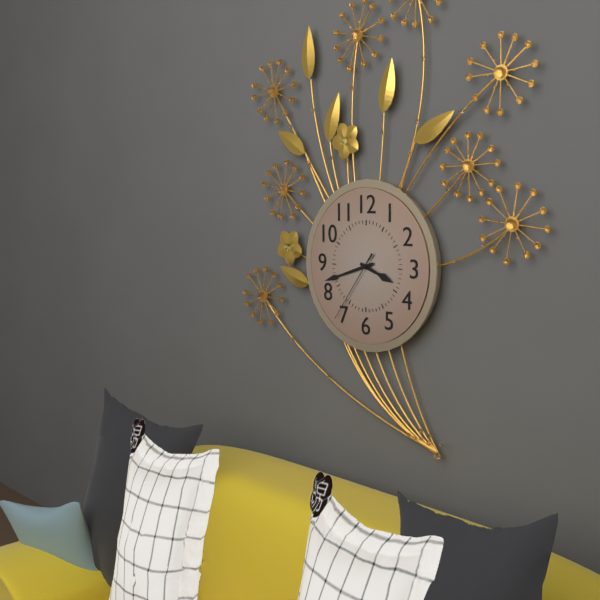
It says 3:42:36
